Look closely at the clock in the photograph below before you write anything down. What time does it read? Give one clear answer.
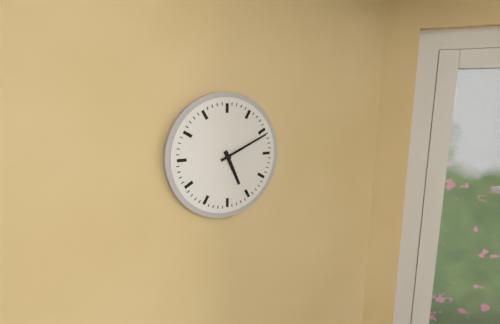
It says 5:11
